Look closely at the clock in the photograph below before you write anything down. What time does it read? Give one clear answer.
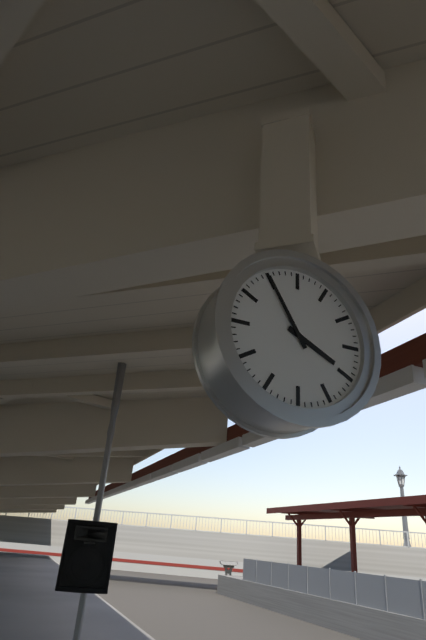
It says 3:55
